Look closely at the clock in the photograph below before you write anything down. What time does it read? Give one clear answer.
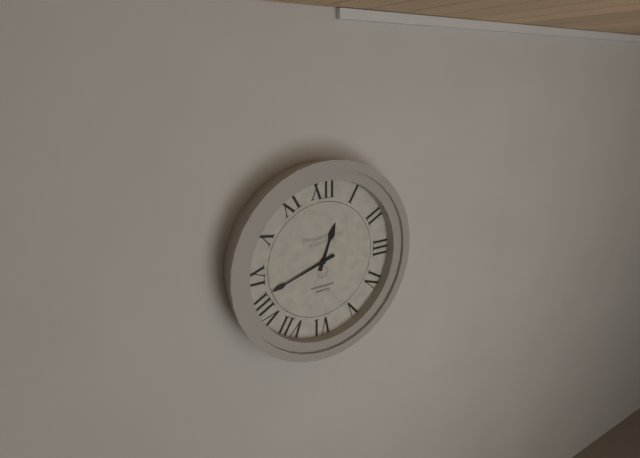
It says 12:42
